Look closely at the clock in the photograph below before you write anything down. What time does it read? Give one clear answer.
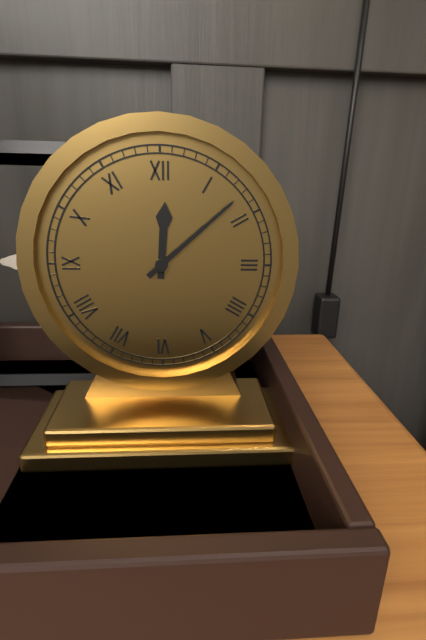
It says 12:08
